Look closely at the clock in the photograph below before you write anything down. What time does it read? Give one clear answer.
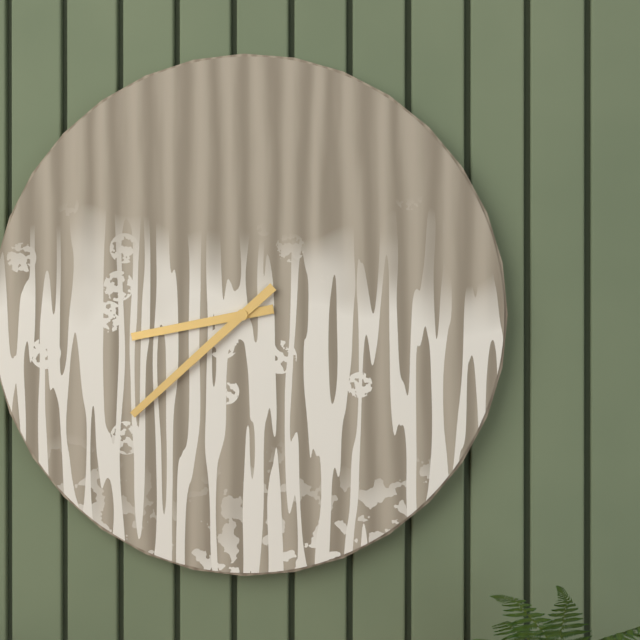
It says 8:38
